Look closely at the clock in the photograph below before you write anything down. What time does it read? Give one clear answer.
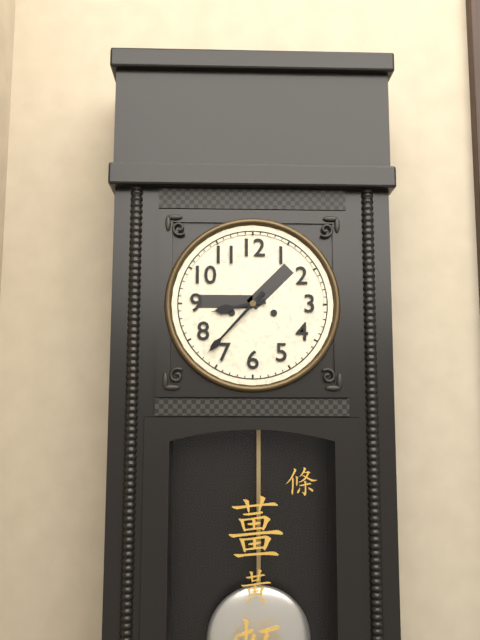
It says 8:37
